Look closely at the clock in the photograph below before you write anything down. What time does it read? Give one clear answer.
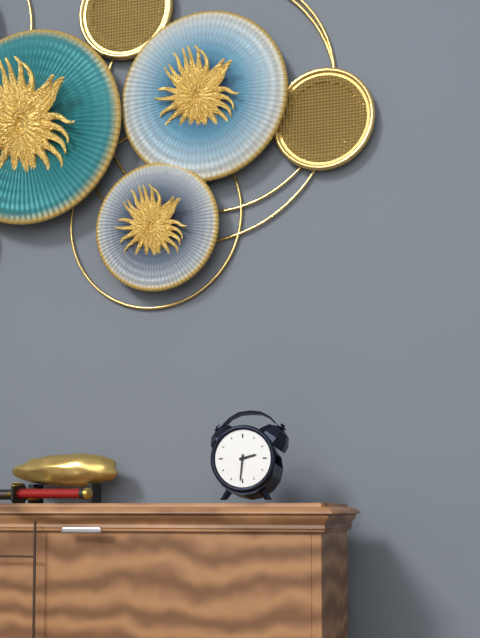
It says 2:31
